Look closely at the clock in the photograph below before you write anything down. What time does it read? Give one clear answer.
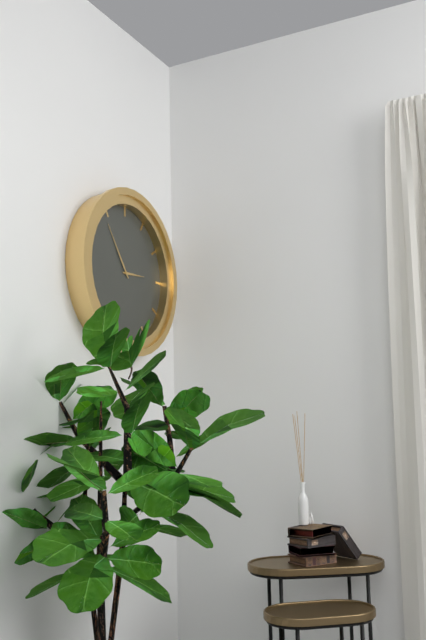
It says 2:54
